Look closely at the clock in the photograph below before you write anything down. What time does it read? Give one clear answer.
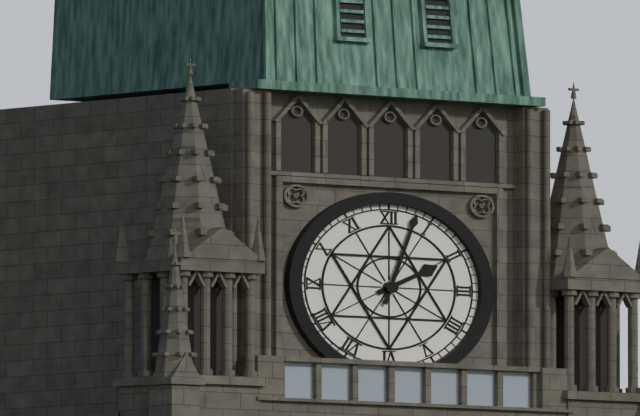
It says 2:03
